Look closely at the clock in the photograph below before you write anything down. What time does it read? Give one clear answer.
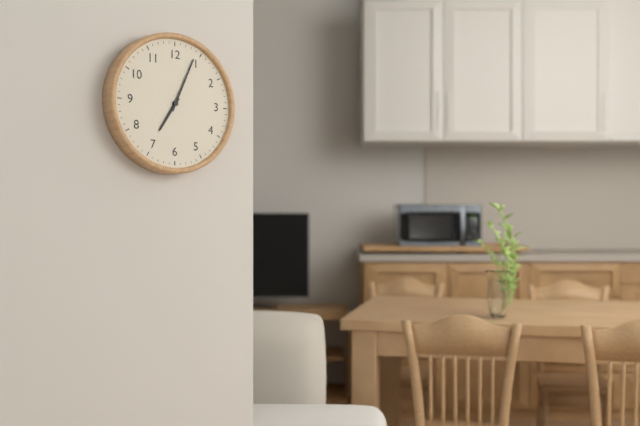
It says 7:04
